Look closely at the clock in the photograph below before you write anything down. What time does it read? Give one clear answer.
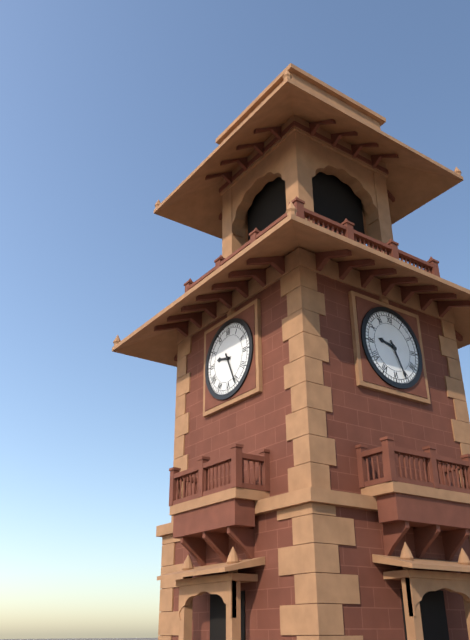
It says 9:26
